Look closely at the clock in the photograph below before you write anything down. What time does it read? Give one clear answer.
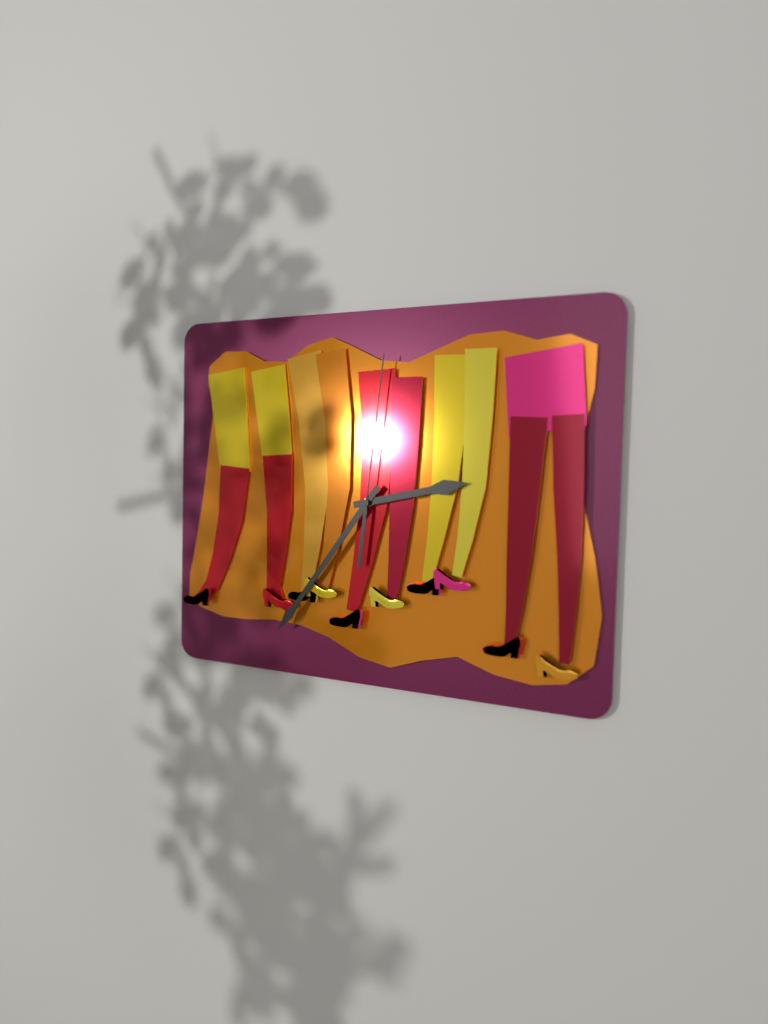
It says 2:36:01
